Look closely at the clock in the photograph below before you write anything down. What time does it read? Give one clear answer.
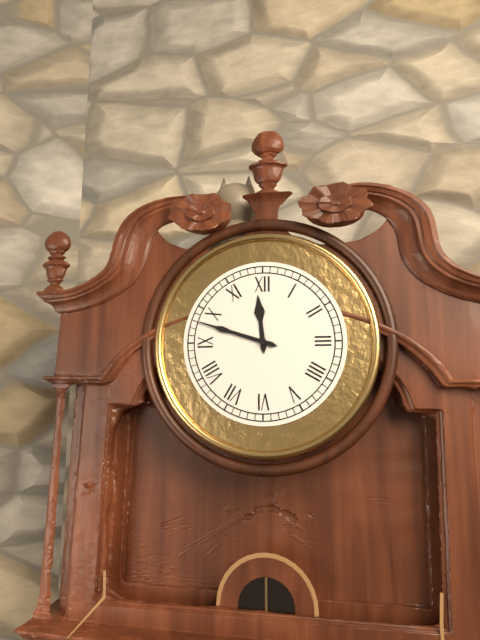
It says 11:48
